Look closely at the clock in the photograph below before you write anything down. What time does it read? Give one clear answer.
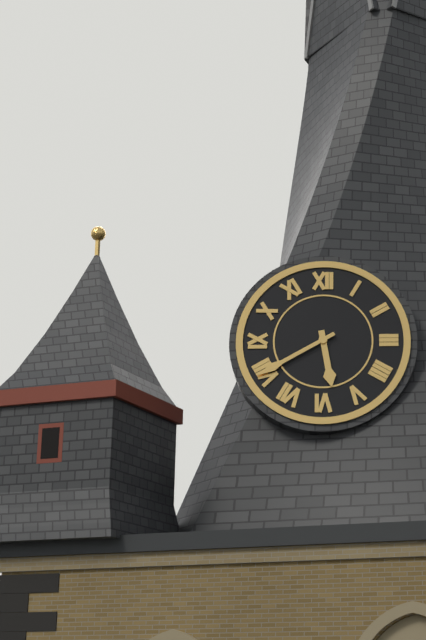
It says 5:40
